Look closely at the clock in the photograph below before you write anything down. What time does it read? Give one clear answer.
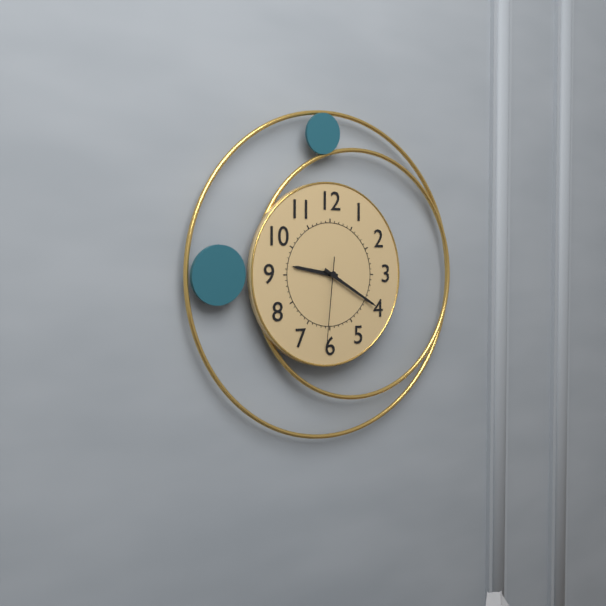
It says 9:20:31
